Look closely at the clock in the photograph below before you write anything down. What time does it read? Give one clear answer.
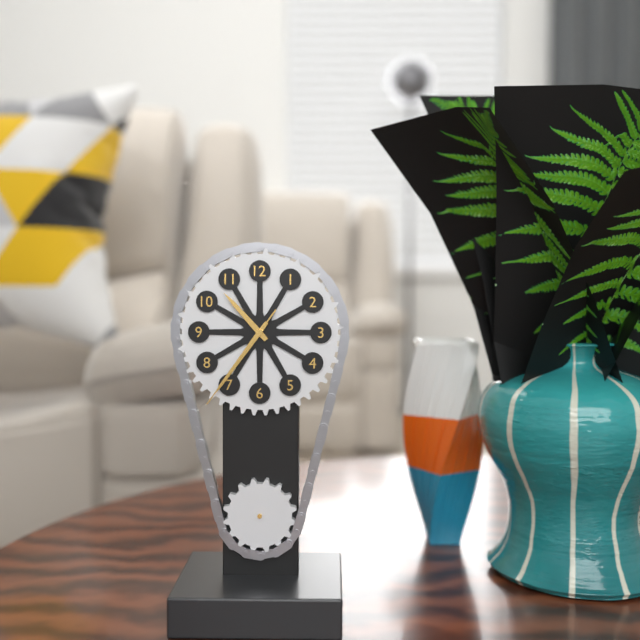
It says 10:36:36
